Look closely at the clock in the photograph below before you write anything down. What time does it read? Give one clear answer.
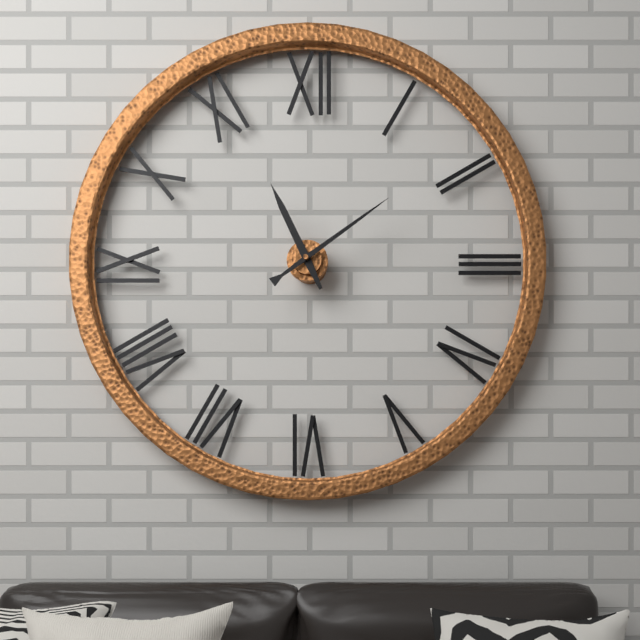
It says 11:09
